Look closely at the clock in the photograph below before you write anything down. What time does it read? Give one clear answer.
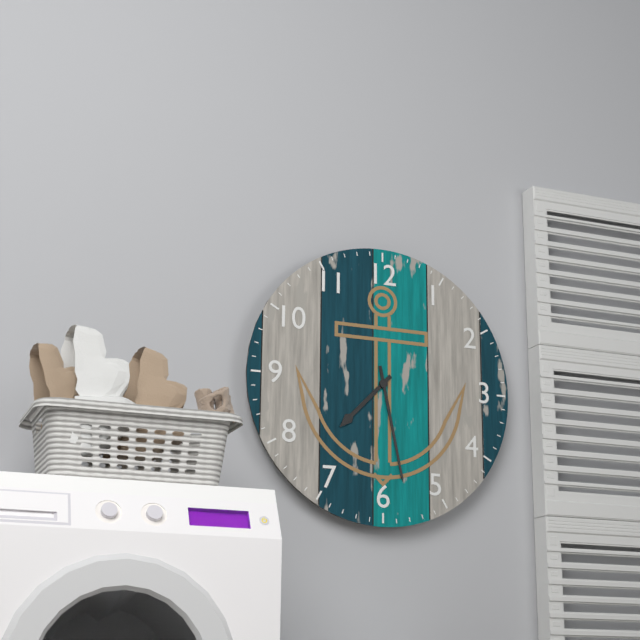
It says 7:28
